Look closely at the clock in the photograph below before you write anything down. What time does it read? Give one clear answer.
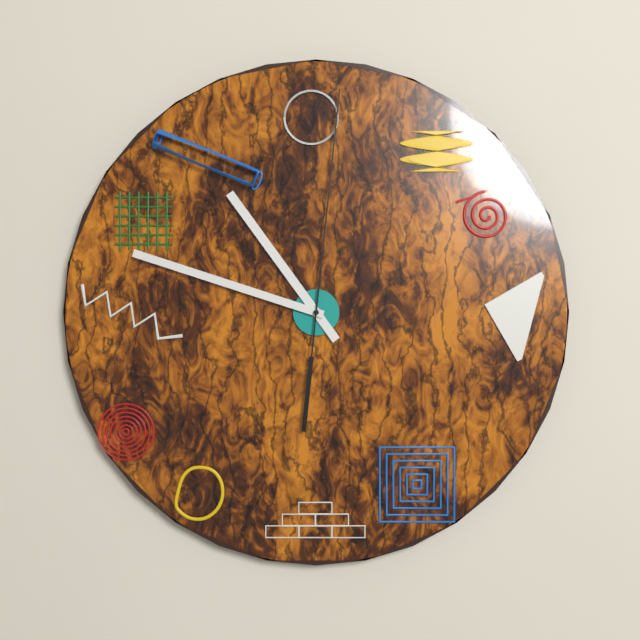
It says 10:48:01
